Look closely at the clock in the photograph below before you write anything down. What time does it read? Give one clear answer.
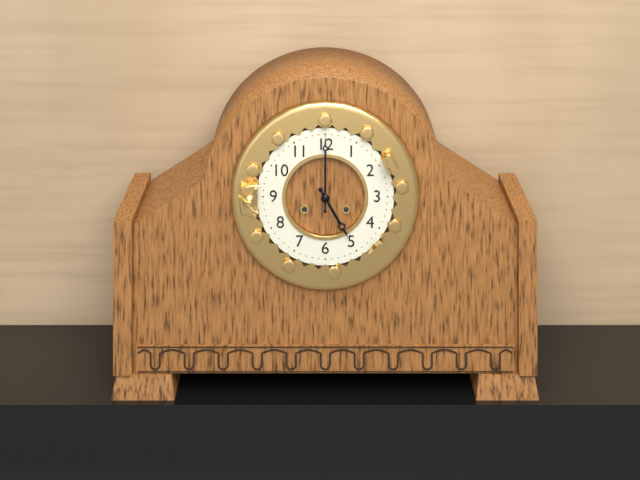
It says 5:00
